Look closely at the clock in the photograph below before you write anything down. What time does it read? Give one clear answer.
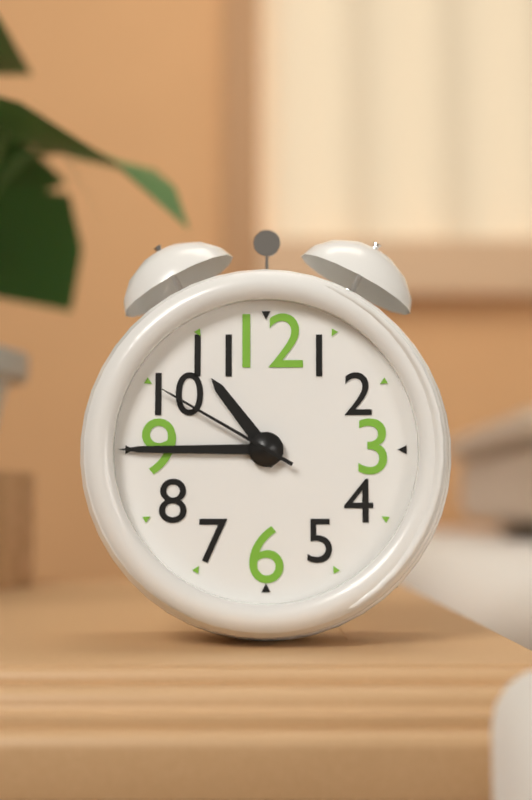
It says 10:45:50
